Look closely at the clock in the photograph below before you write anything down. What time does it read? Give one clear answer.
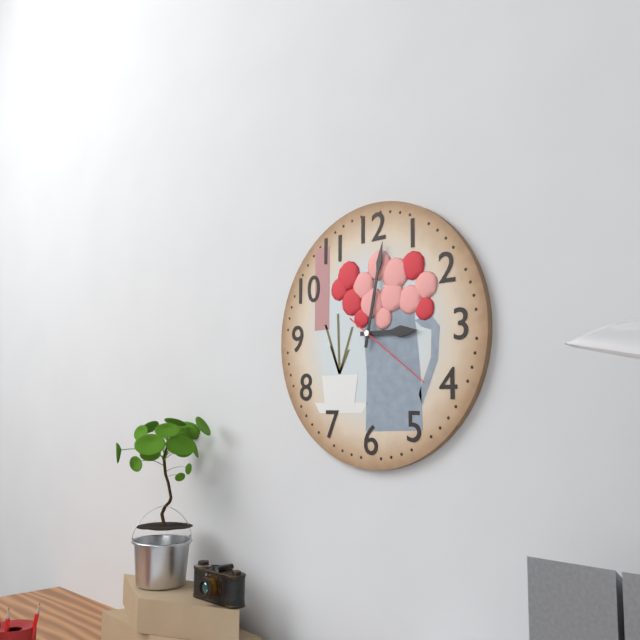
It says 3:02:21
